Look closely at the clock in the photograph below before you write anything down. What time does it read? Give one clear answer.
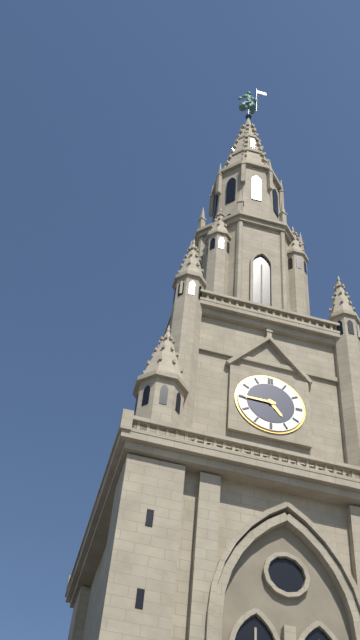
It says 4:45
